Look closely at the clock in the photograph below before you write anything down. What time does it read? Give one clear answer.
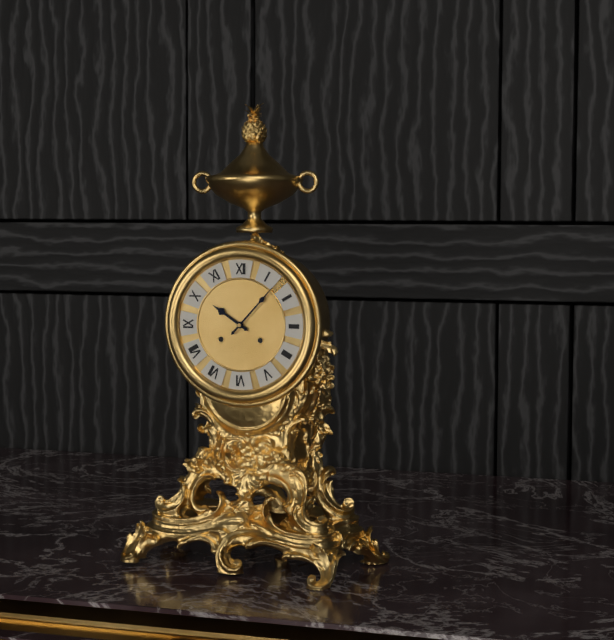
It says 10:07
